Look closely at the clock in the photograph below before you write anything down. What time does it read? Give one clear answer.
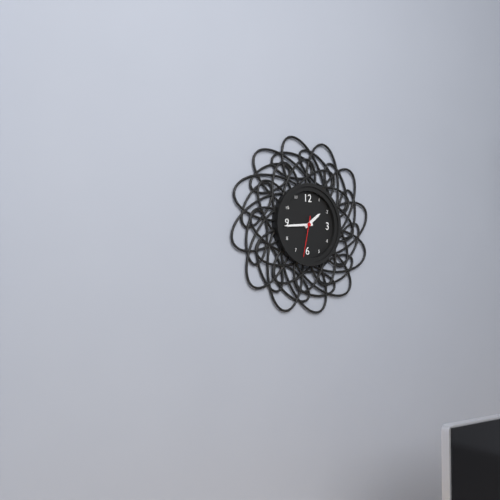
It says 1:44
